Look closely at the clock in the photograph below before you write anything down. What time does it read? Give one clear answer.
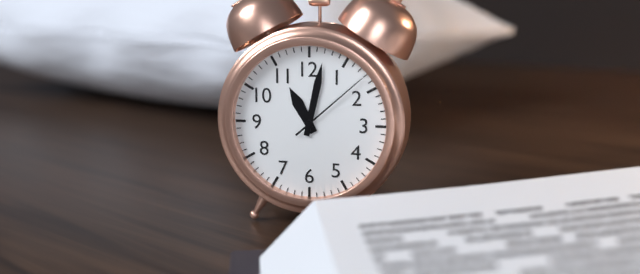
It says 11:02:08
